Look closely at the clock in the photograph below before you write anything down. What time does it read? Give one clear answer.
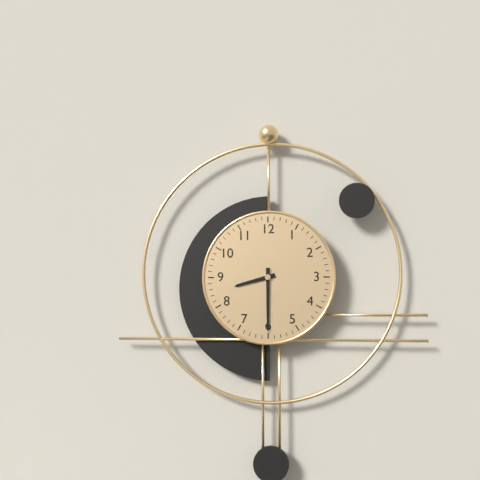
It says 8:30
